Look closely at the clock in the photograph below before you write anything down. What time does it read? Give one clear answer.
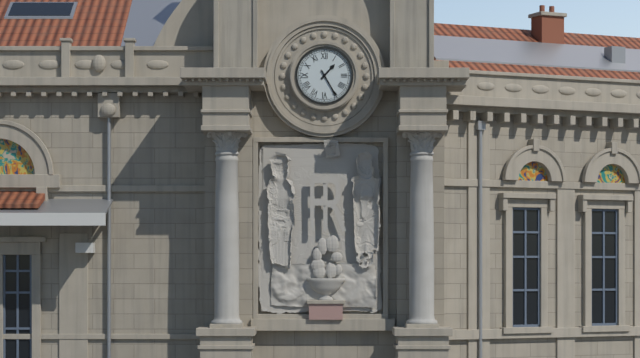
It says 1:25
